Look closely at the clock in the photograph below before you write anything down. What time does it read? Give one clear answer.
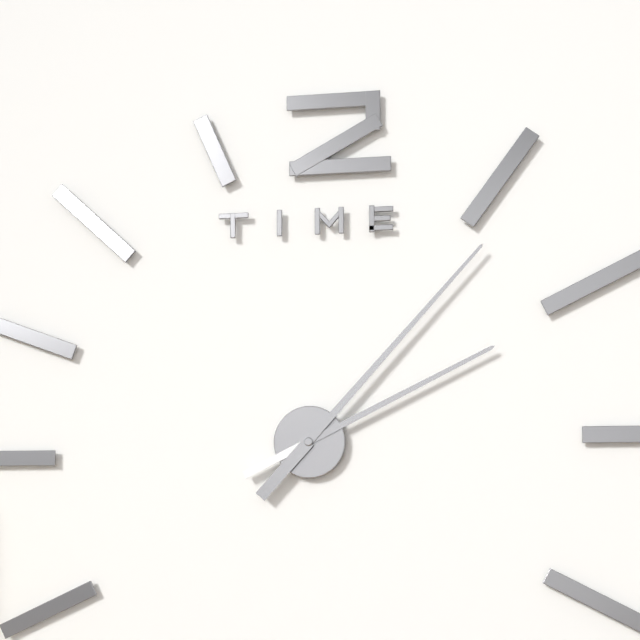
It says 2:07
